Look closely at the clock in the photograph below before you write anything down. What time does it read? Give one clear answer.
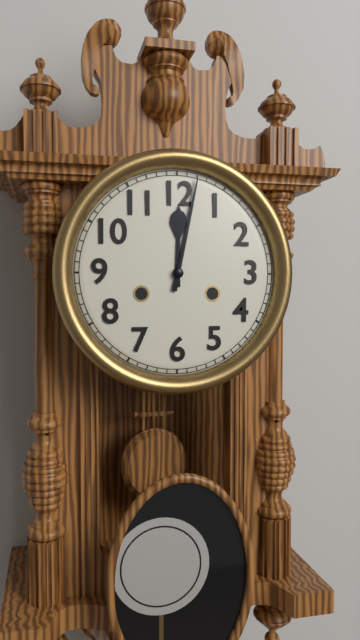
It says 12:02
